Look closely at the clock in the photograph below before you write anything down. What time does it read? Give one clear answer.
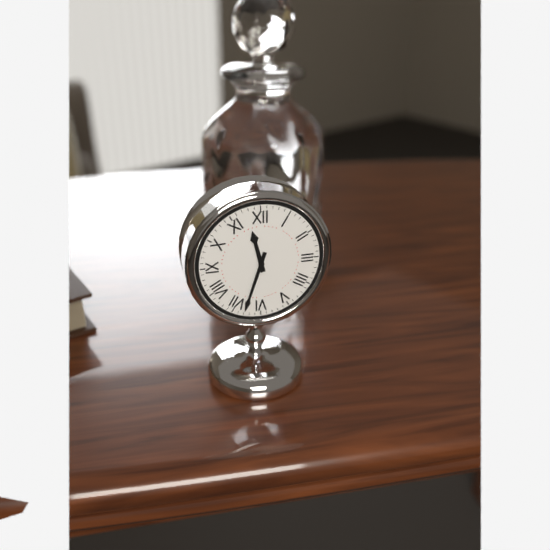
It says 11:33
